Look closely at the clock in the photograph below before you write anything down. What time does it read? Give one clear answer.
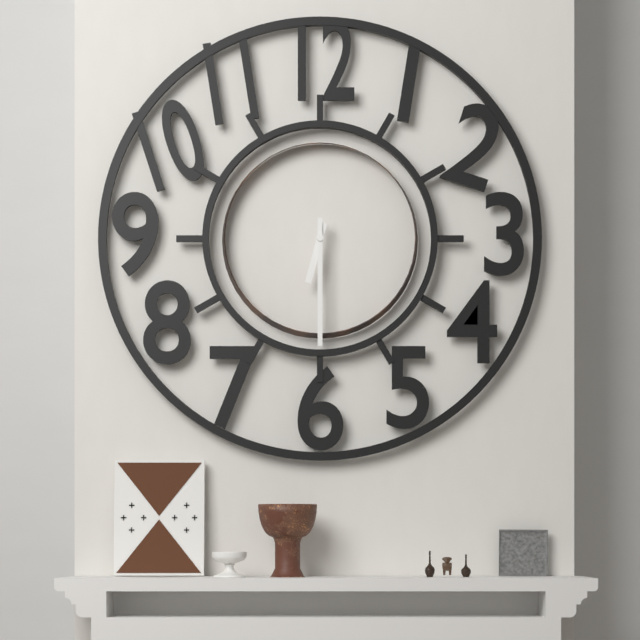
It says 6:30
